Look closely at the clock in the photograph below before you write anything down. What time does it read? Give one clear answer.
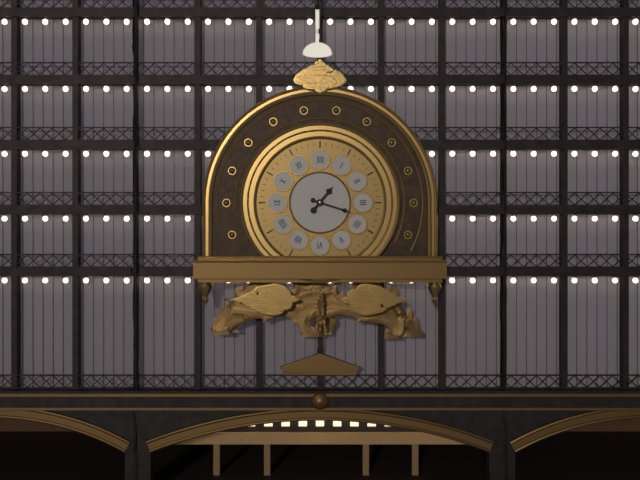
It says 1:18
